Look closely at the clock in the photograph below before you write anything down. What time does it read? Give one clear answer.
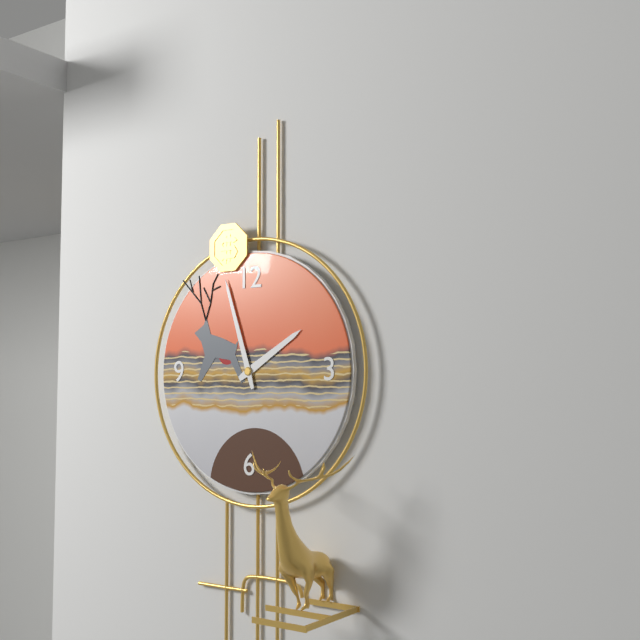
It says 1:57
